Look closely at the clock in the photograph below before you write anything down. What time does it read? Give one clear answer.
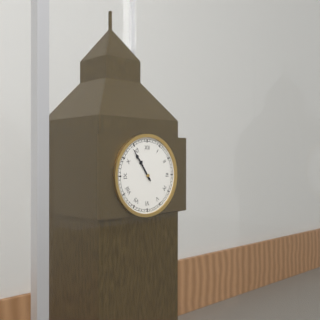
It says 10:54
